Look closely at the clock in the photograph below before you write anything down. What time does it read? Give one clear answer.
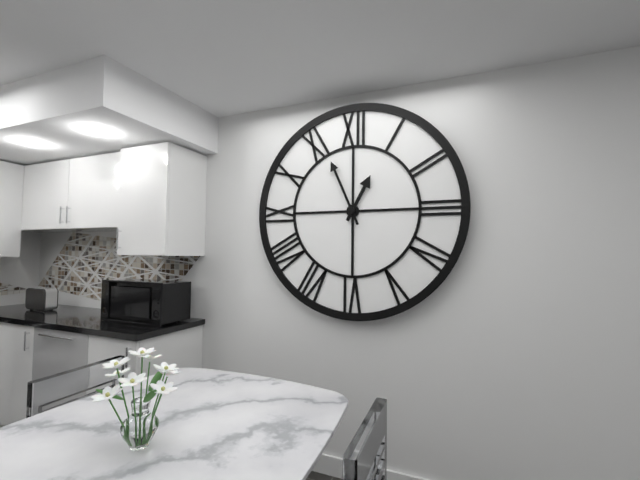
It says 12:56
